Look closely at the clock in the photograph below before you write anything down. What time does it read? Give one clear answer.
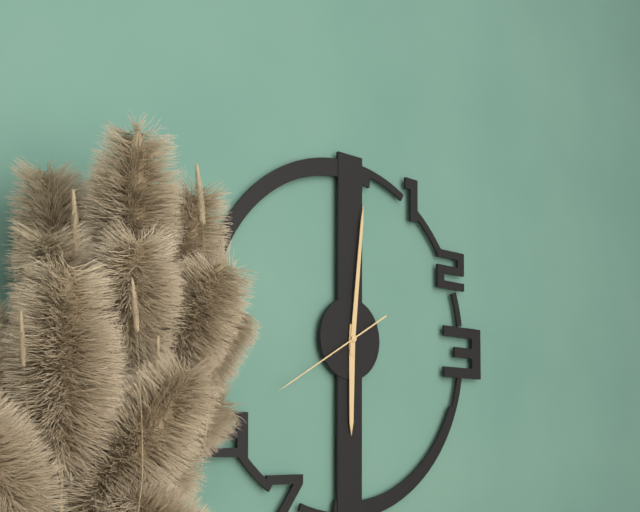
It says 6:01:40
